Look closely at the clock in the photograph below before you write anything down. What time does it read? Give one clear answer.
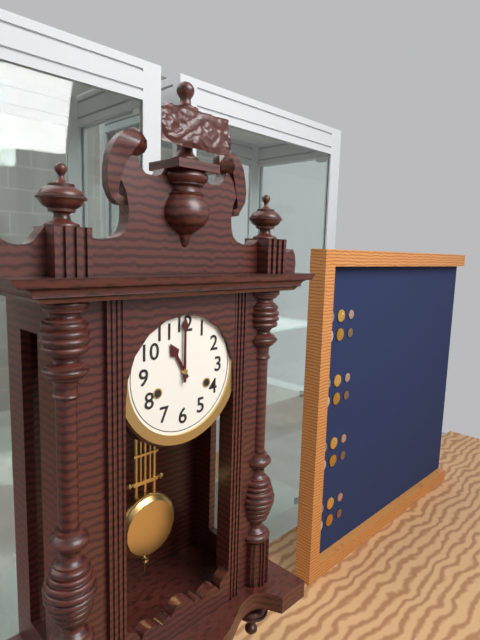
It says 11:00
